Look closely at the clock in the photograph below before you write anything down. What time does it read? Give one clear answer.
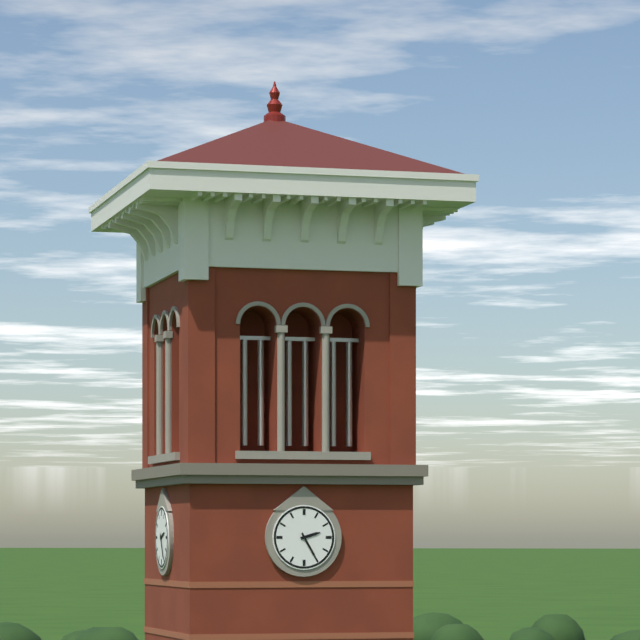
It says 2:25
